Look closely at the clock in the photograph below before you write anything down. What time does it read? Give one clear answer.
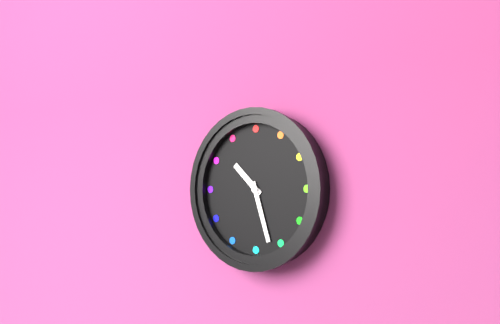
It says 10:27
